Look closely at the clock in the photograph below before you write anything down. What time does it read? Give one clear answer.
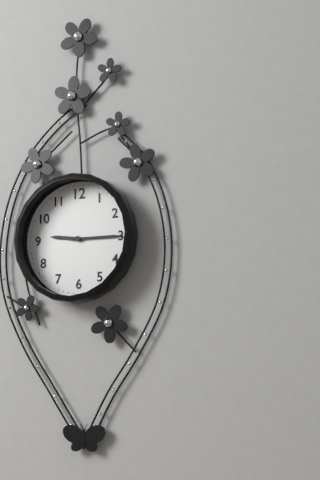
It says 9:15
